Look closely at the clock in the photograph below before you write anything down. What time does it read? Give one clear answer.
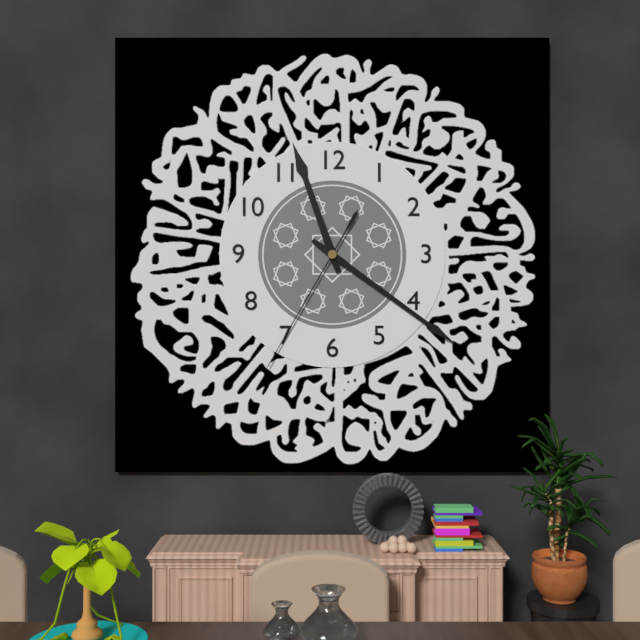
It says 11:21:35
